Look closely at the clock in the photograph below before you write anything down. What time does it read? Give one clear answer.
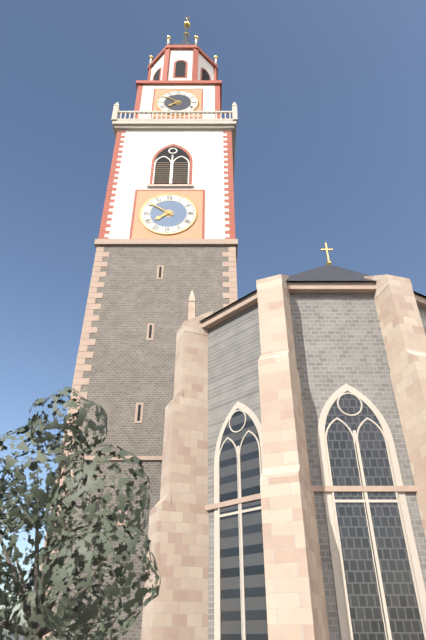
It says 7:51
